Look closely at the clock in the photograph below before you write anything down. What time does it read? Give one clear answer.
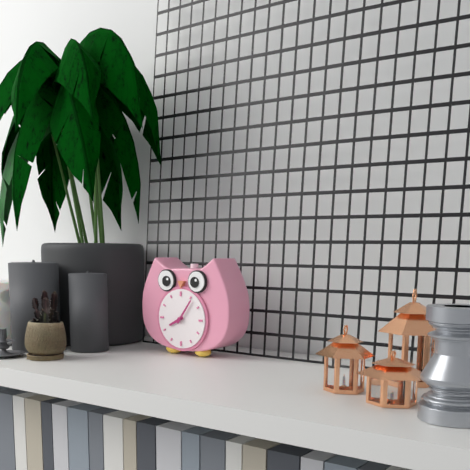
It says 8:06
